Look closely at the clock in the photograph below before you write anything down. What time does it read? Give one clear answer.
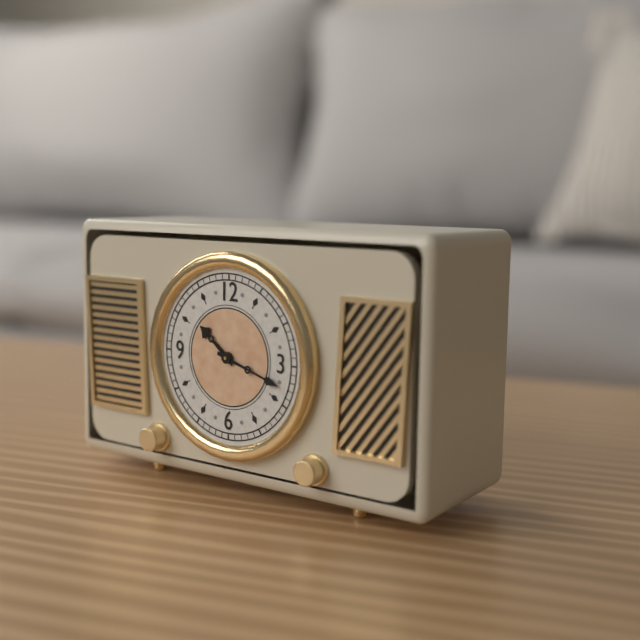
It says 10:18
